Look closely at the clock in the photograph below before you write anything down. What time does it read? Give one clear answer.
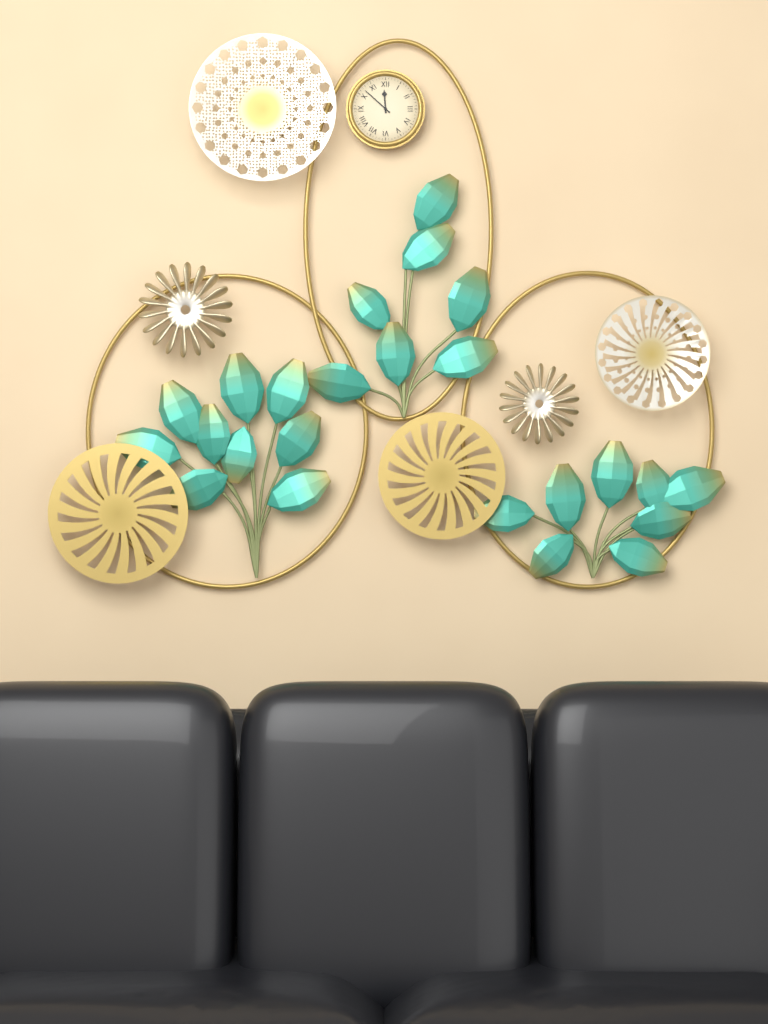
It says 11:52
